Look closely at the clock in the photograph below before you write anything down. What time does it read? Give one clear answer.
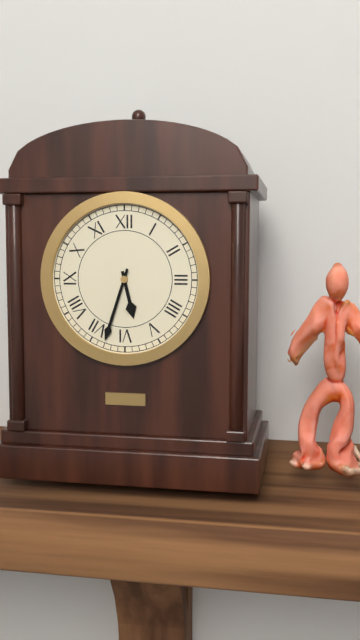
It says 5:33
